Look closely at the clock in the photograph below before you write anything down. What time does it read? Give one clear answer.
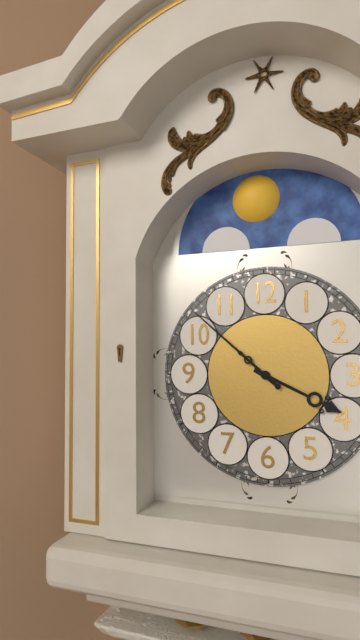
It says 3:52
